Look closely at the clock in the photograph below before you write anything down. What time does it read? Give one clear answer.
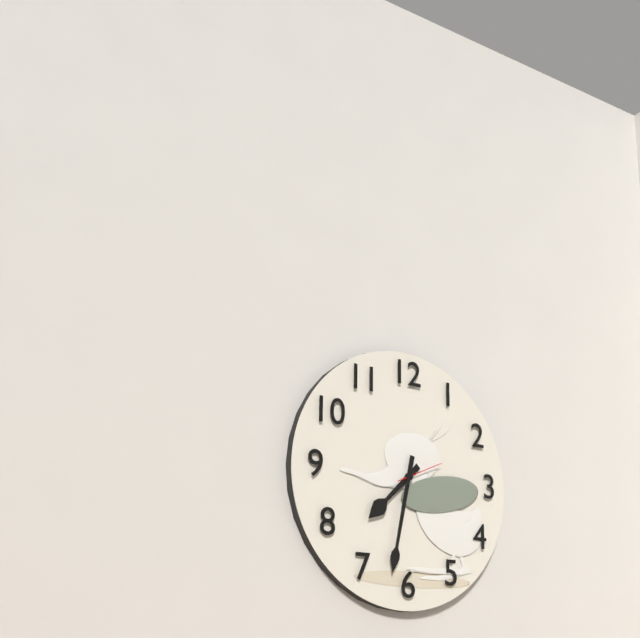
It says 7:32
